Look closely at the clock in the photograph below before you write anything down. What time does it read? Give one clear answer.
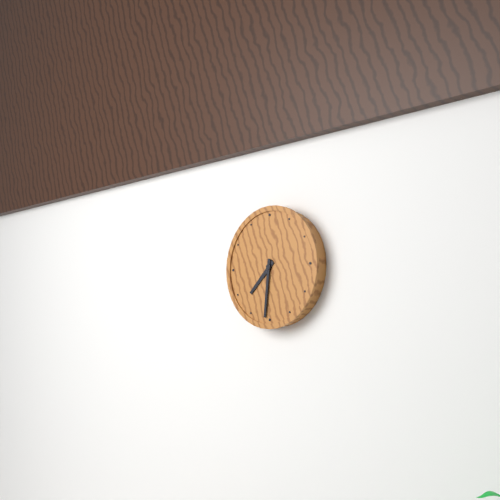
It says 7:31
